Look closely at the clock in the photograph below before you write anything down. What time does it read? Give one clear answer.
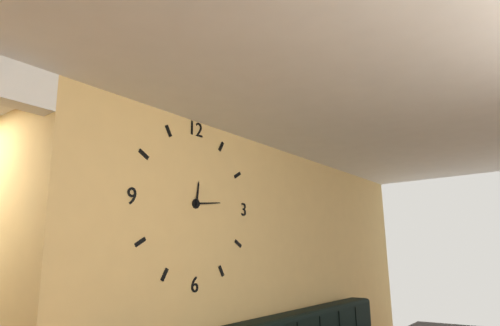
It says 12:14
